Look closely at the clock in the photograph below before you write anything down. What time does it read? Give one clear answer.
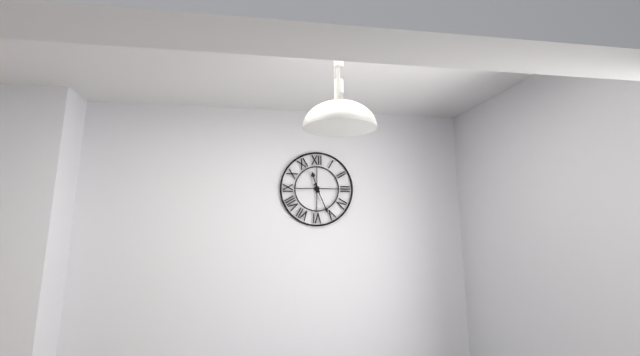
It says 11:26
